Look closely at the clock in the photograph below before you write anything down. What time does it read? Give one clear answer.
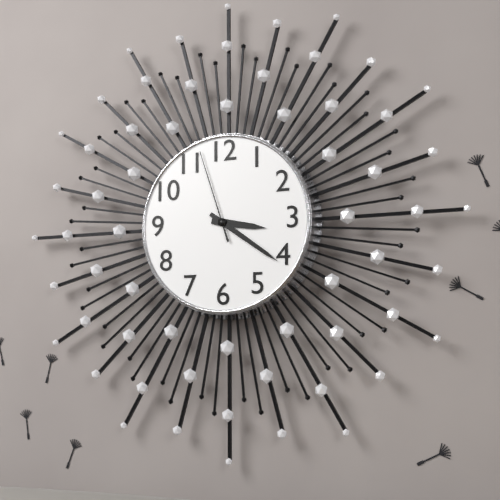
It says 3:21:57
